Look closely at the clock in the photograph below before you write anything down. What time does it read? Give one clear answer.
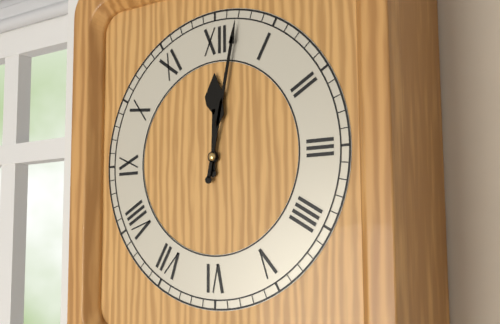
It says 12:02
